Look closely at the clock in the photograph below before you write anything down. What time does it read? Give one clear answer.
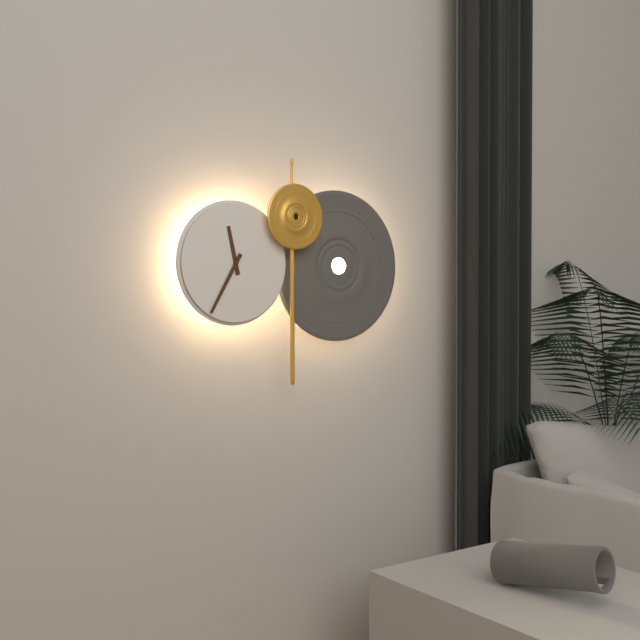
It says 11:35
